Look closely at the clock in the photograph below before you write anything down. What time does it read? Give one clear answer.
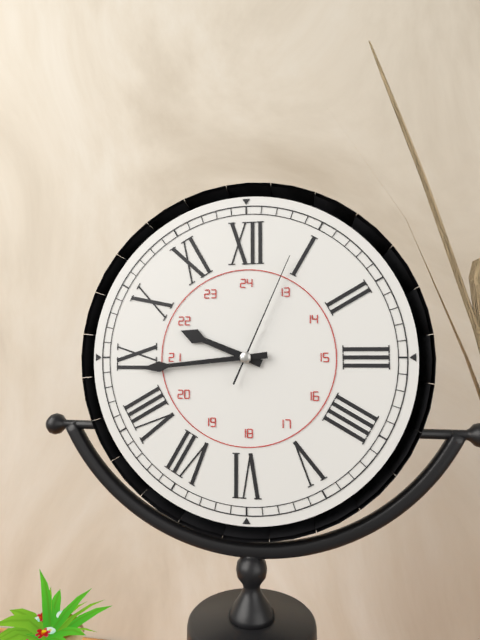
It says 9:44:04
